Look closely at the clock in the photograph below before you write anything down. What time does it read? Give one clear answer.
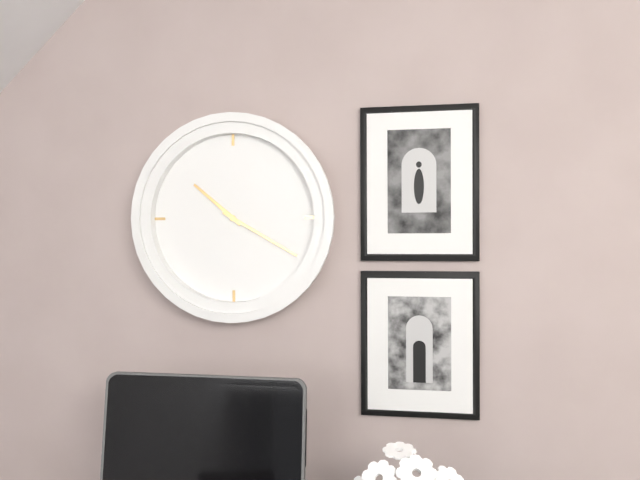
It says 10:20
